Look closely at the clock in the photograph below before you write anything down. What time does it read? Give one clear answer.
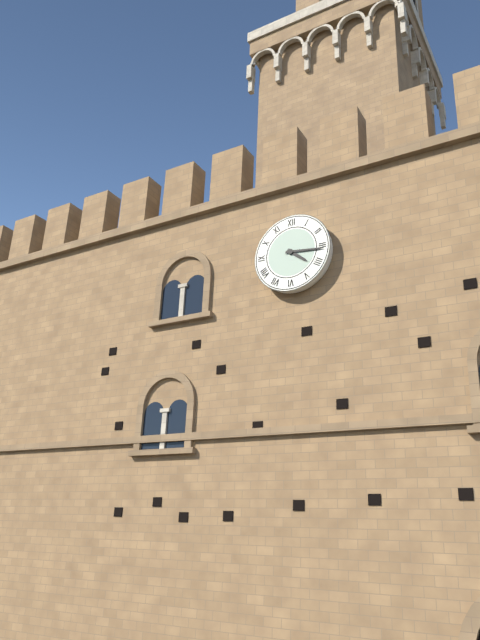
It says 4:16
